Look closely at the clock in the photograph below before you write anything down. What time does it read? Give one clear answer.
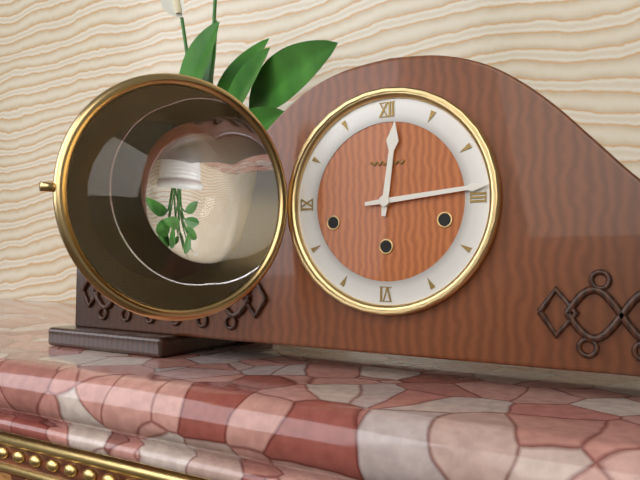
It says 12:14
